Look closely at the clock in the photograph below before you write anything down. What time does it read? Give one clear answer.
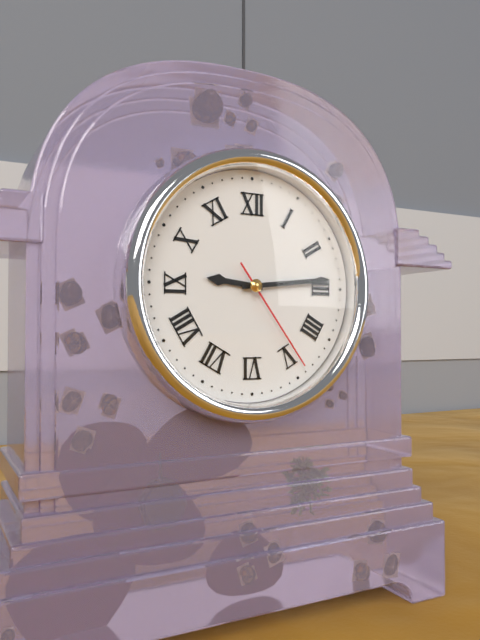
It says 9:14:24
